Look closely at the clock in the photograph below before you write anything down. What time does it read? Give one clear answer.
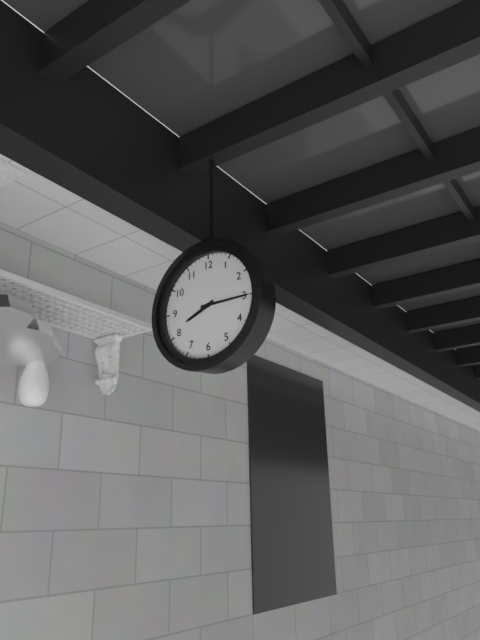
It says 8:15
